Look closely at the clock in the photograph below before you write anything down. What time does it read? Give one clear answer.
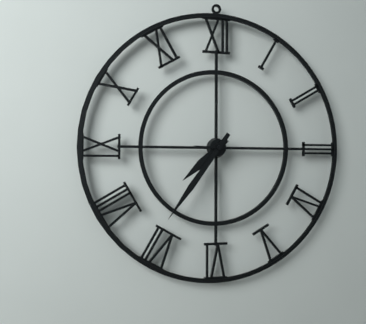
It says 7:36:15
